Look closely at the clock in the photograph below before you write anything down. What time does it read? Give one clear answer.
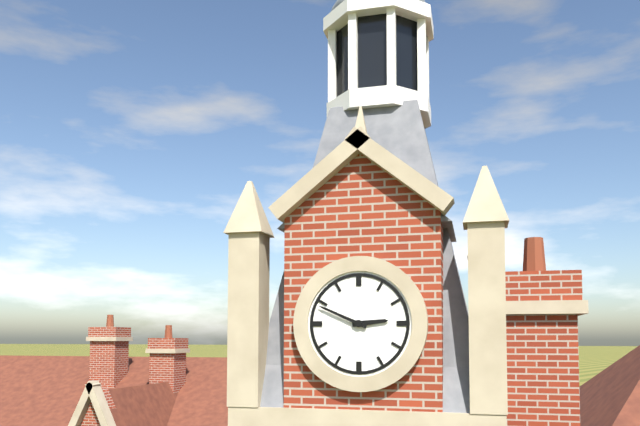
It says 2:49
